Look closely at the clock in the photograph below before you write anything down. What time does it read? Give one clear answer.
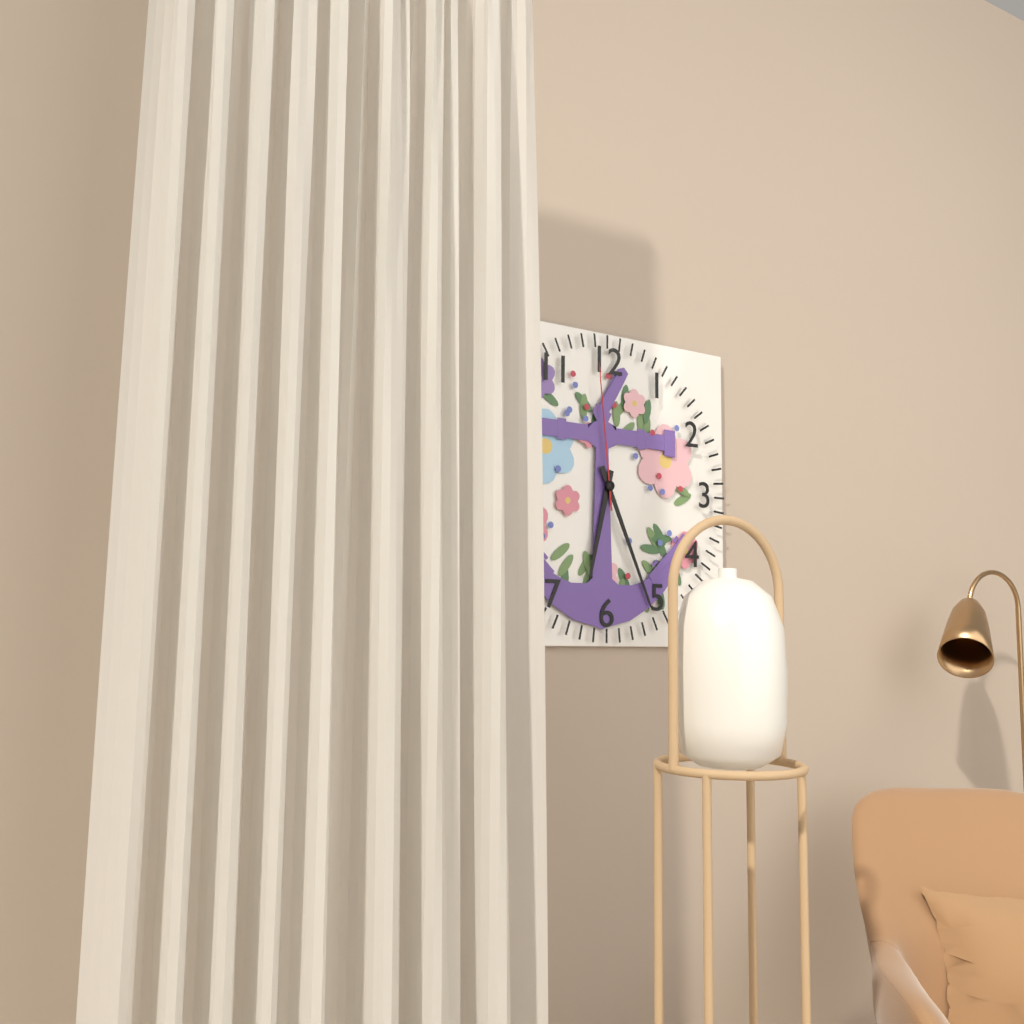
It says 6:26:59
